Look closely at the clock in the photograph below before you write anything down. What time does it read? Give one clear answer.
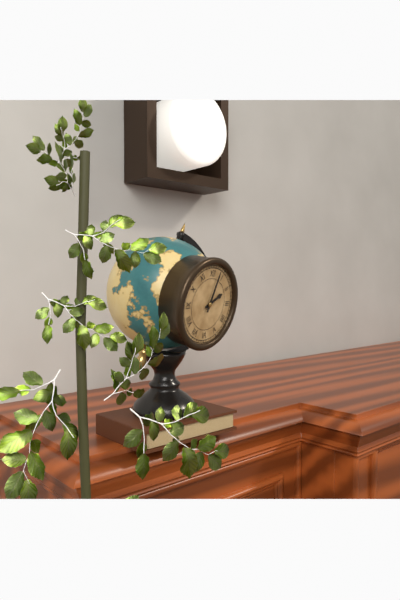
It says 2:03
